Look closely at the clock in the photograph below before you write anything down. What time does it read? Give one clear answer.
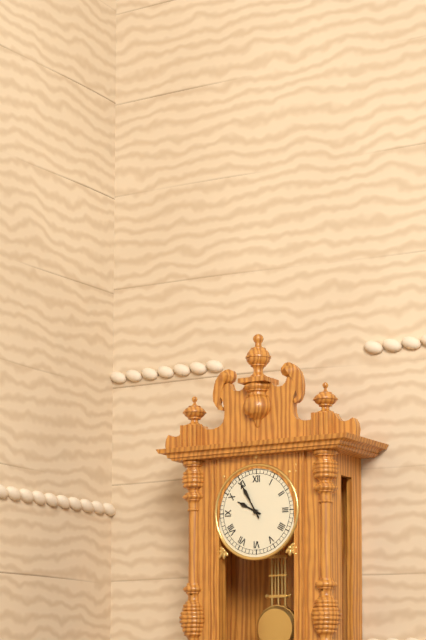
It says 9:55
